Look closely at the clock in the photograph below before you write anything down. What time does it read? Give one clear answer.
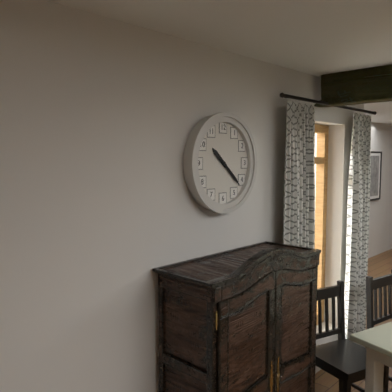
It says 10:22
